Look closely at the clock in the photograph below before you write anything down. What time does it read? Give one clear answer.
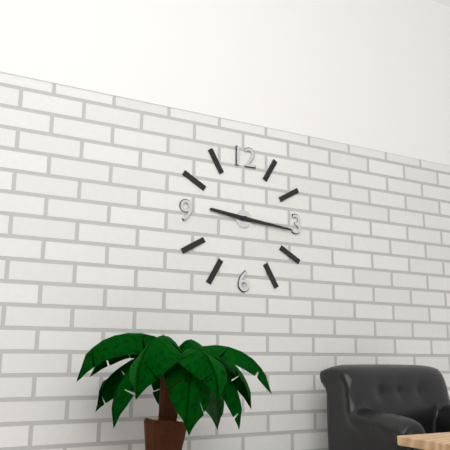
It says 9:16
